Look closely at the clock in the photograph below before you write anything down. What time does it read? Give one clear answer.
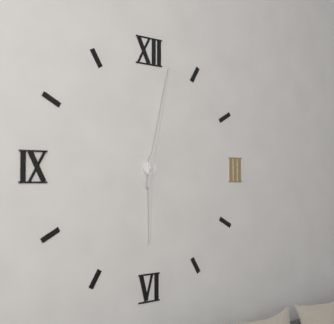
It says 6:02
